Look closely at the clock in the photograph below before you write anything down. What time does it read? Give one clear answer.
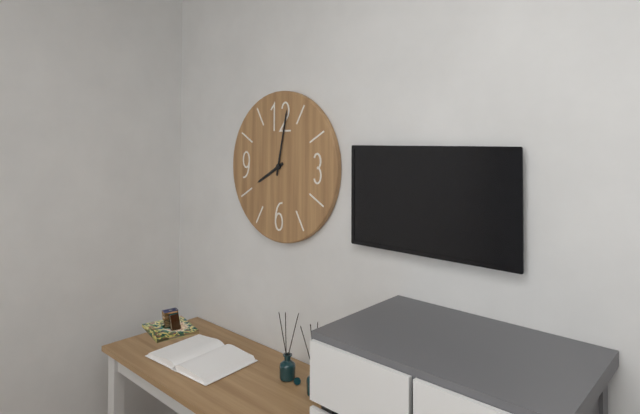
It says 8:02
